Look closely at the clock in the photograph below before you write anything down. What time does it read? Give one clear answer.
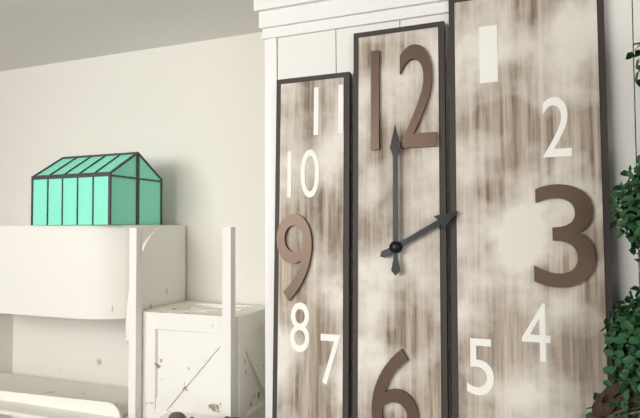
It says 2:00
